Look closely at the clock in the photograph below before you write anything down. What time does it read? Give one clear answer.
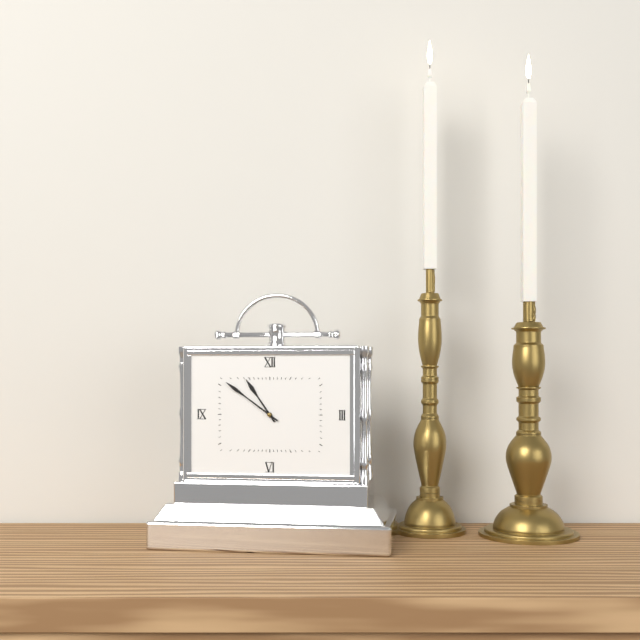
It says 10:51
